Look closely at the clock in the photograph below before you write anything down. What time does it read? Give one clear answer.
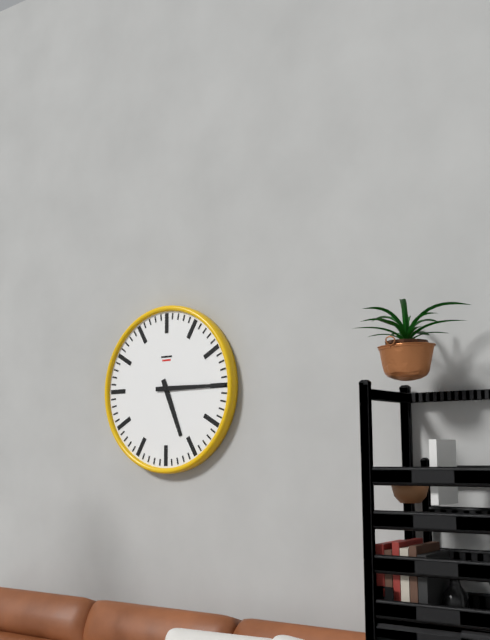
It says 5:15
